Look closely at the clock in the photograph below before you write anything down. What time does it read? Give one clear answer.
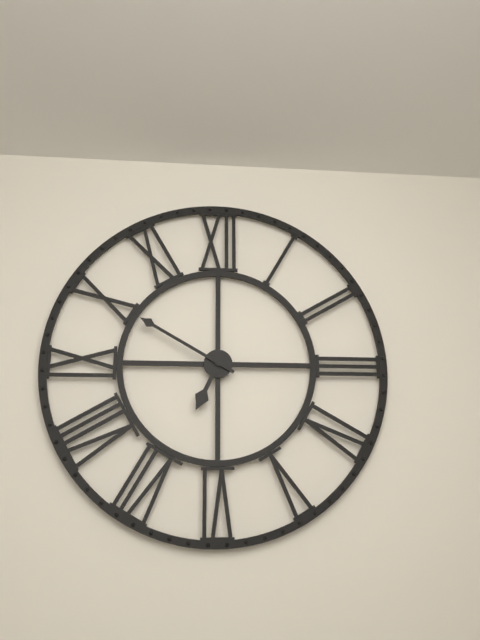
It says 6:50
